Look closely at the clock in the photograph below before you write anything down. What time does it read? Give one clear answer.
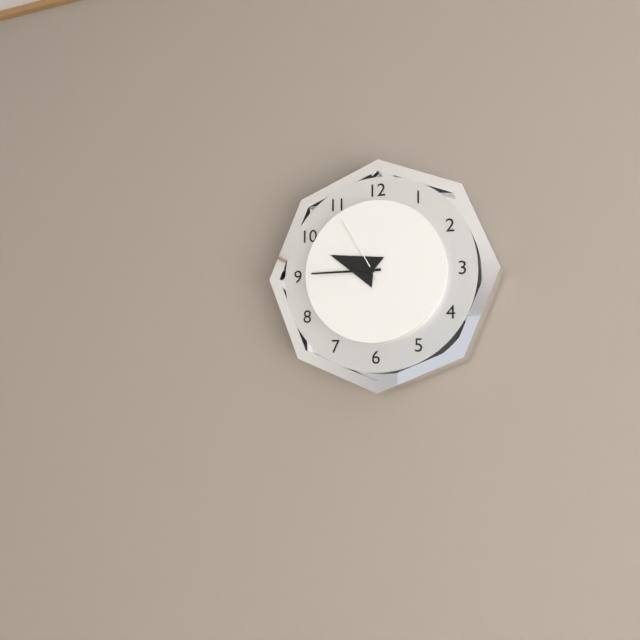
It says 9:45:55
